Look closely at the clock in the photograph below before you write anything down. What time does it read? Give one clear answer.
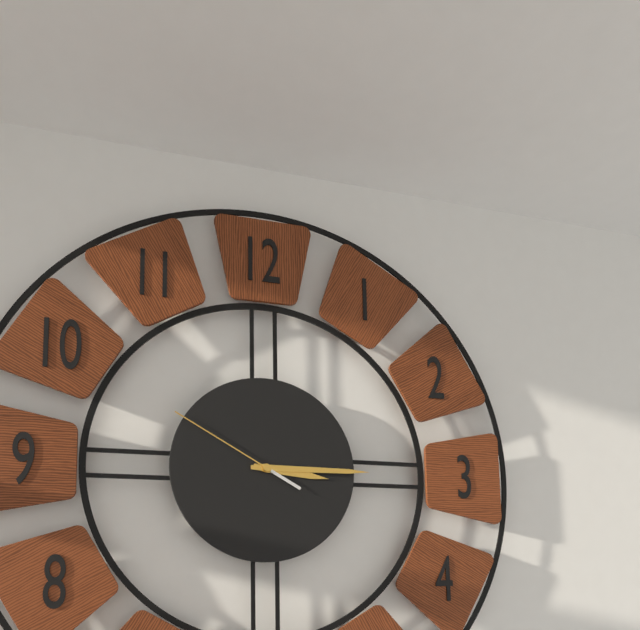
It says 3:15:50
